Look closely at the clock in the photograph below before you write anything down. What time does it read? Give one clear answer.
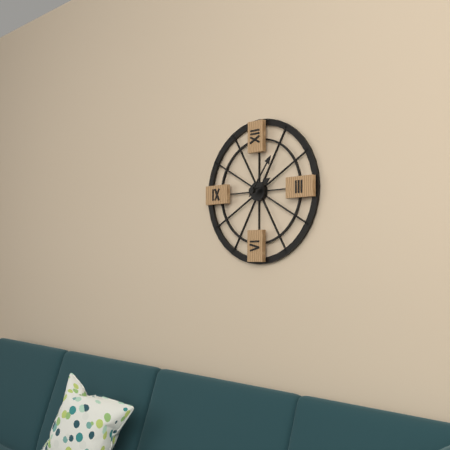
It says 2:06
